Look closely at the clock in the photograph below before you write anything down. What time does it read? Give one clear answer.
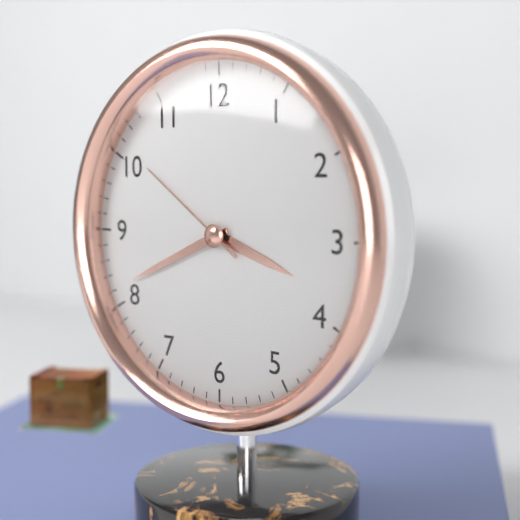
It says 3:41:51
